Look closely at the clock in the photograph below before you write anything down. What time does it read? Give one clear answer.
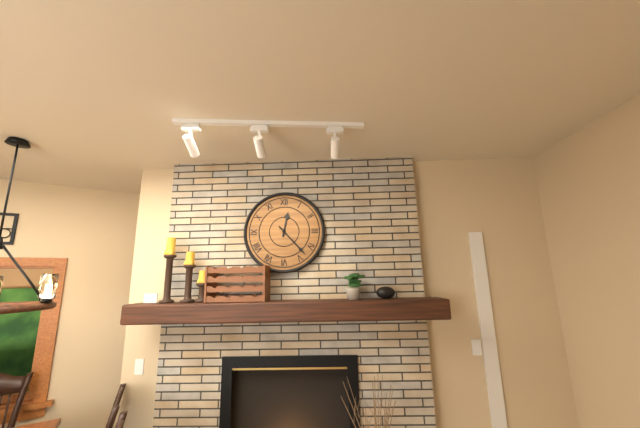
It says 12:23
